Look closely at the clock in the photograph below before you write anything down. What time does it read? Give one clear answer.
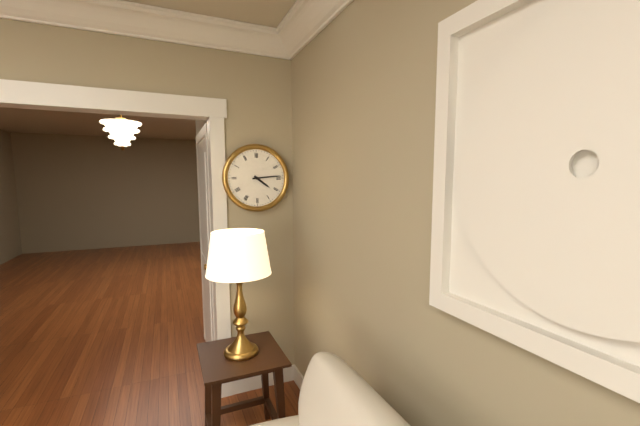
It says 4:14
